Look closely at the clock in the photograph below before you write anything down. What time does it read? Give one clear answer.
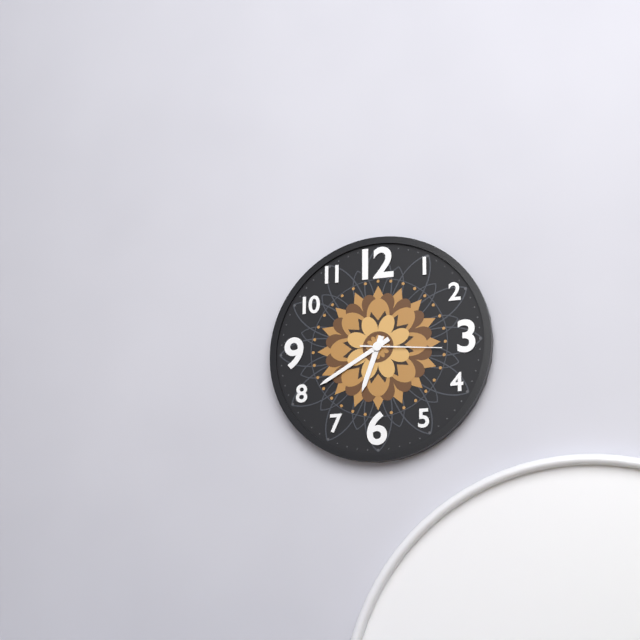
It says 6:40:16
